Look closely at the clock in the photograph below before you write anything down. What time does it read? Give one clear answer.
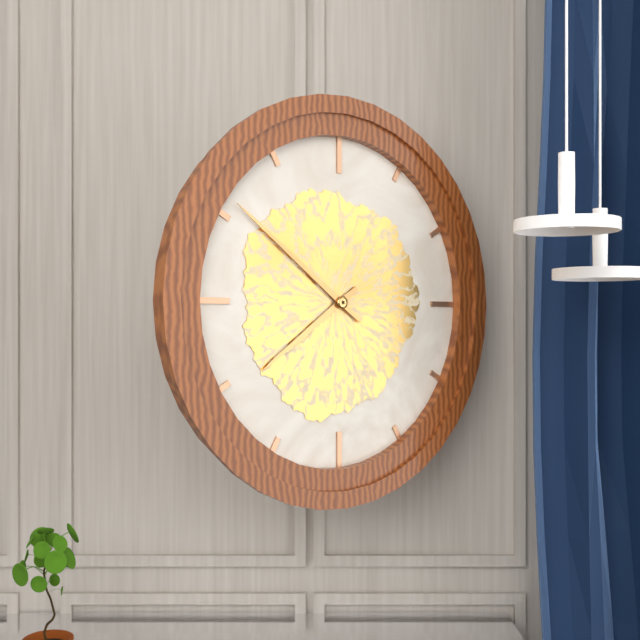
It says 7:51
